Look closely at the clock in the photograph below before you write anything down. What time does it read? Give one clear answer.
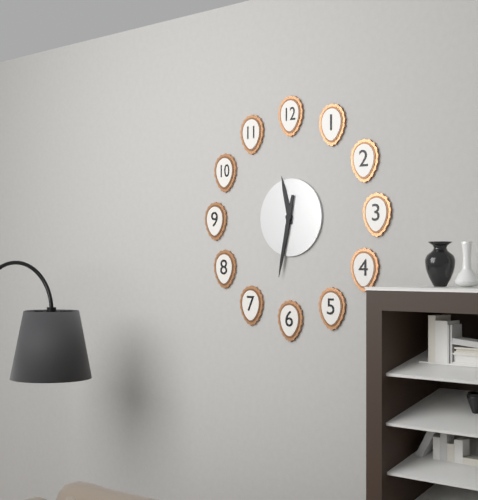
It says 11:32
